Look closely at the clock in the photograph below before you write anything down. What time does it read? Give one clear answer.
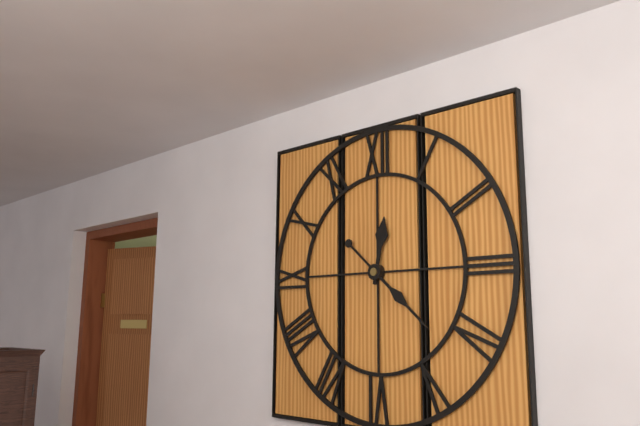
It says 12:22
